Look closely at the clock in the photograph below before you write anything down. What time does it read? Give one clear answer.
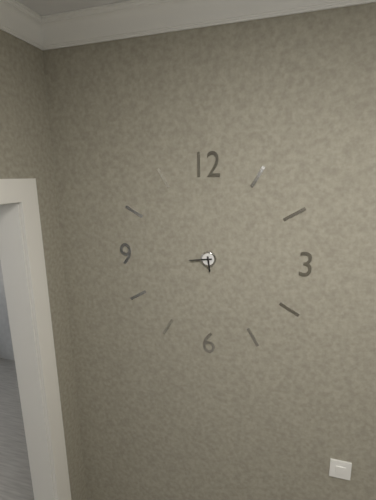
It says 5:44
